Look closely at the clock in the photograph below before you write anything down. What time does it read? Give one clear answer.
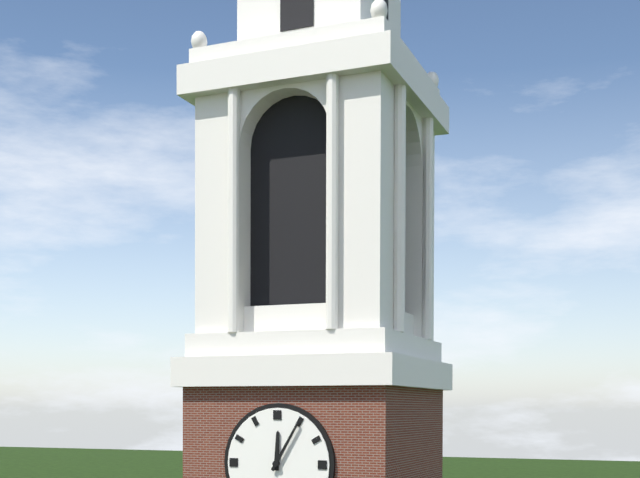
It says 12:05
